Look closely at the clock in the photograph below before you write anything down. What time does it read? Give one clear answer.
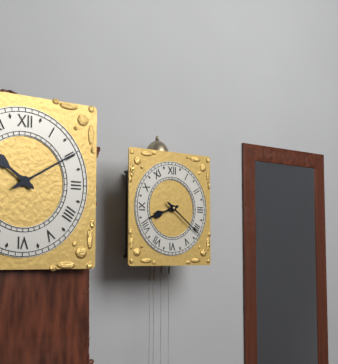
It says 8:21
